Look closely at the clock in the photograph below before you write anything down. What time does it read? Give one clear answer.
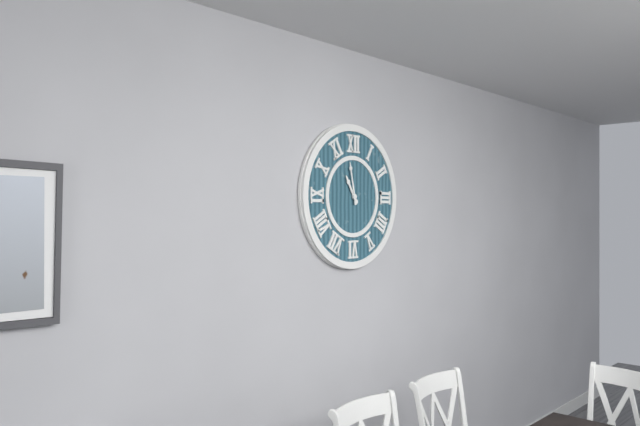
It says 10:58
